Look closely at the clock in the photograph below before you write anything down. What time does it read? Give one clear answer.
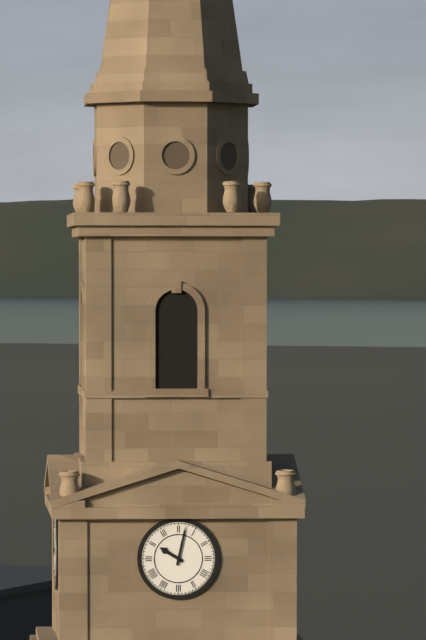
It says 10:02
